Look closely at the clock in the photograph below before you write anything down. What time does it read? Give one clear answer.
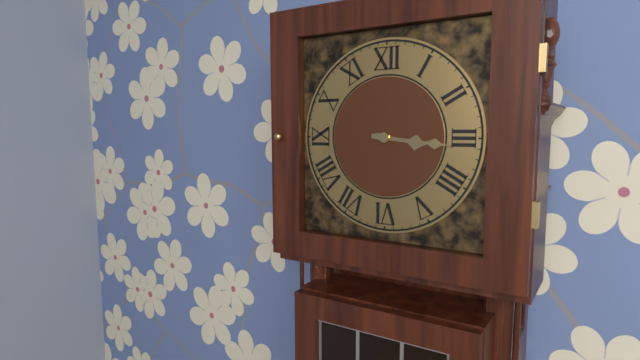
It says 3:16
